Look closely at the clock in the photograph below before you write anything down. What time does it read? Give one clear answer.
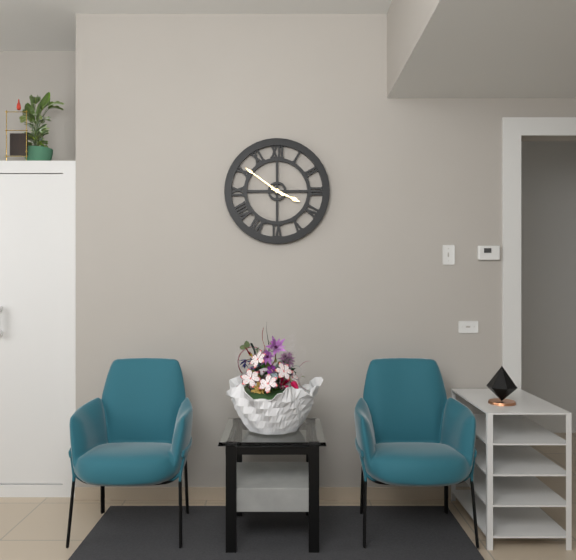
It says 3:51
